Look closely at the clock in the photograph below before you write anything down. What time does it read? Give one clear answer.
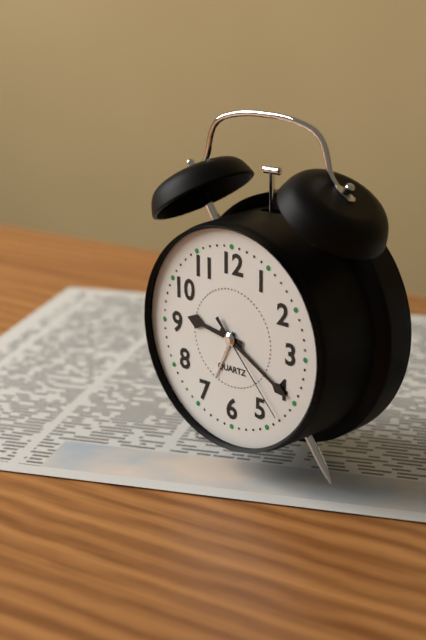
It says 9:20:23
